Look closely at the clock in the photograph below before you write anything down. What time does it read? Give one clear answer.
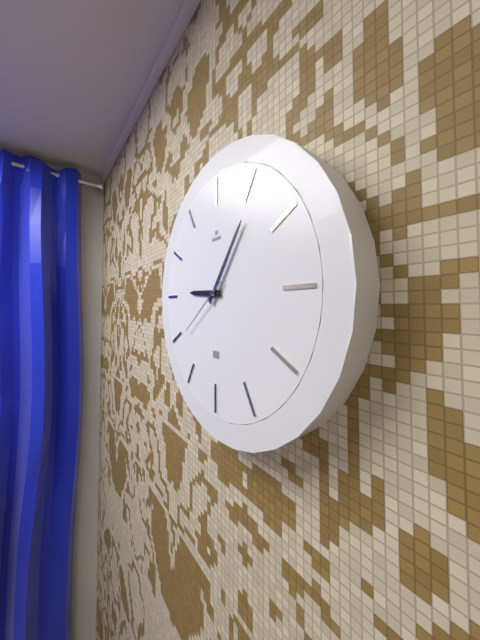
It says 9:06:39
